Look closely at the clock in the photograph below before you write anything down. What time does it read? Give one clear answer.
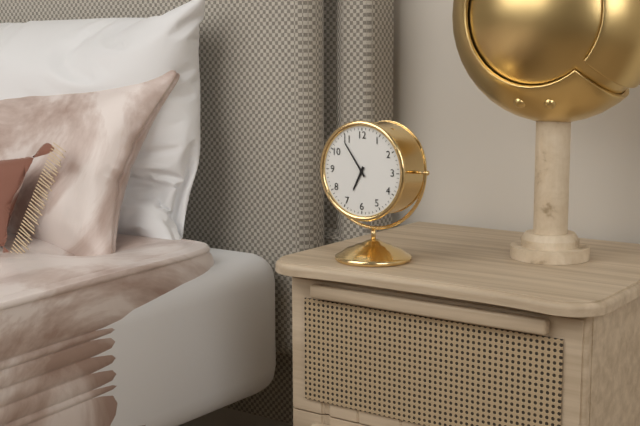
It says 6:54
